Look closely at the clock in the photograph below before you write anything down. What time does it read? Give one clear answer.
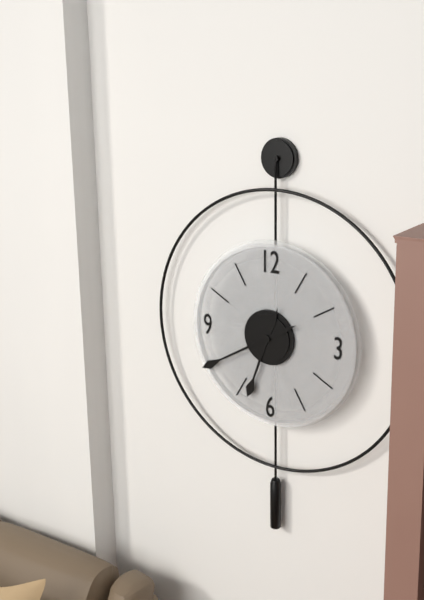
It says 6:40
